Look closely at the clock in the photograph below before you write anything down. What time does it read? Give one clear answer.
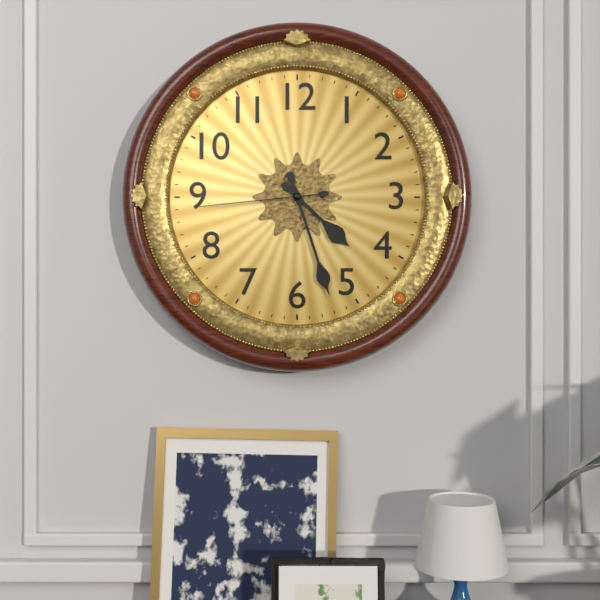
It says 4:27:44
